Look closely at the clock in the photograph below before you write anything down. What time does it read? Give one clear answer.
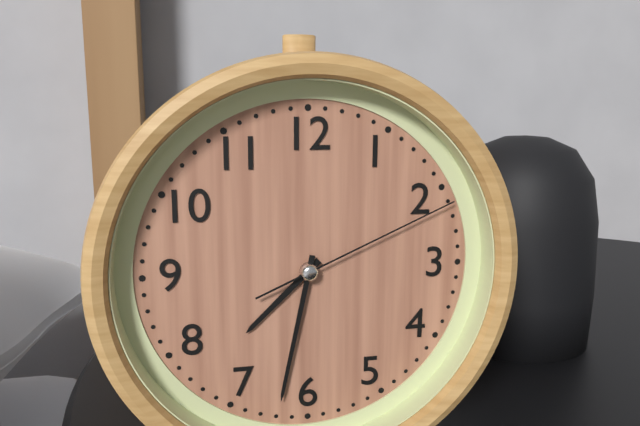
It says 7:32:11
